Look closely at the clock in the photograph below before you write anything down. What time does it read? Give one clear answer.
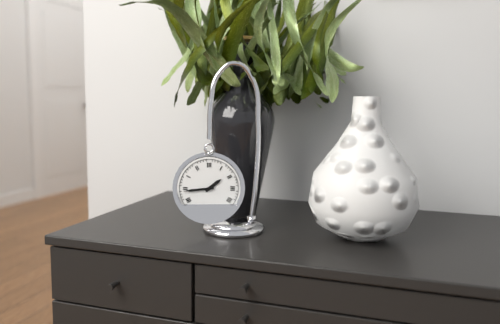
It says 1:44
